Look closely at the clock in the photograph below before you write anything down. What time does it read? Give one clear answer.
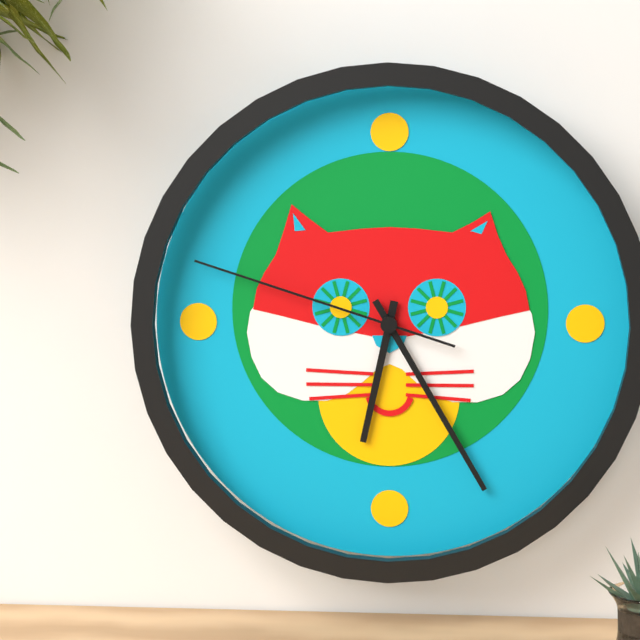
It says 6:25:48
